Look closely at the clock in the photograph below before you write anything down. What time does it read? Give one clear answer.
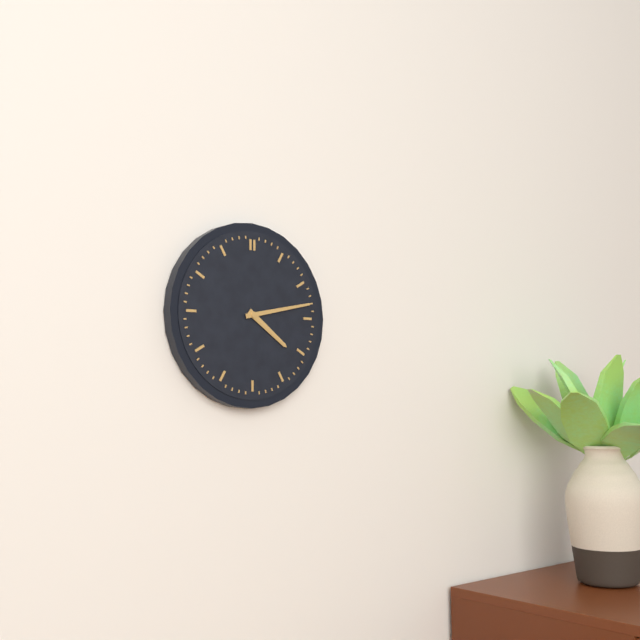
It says 4:13
